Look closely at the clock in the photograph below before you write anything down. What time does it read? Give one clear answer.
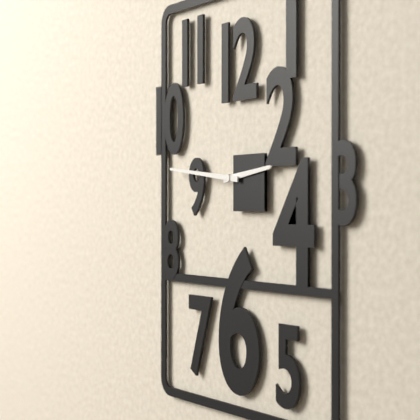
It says 2:46
